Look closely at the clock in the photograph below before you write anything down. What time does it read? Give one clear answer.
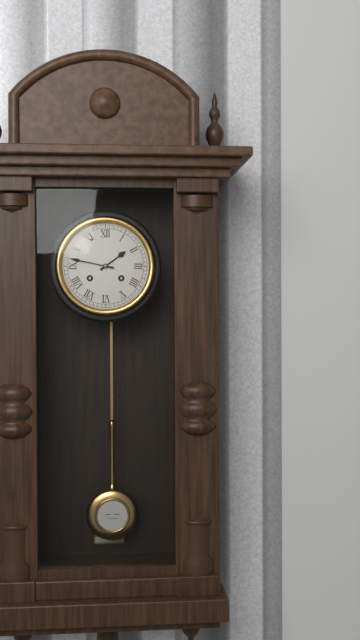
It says 1:47
